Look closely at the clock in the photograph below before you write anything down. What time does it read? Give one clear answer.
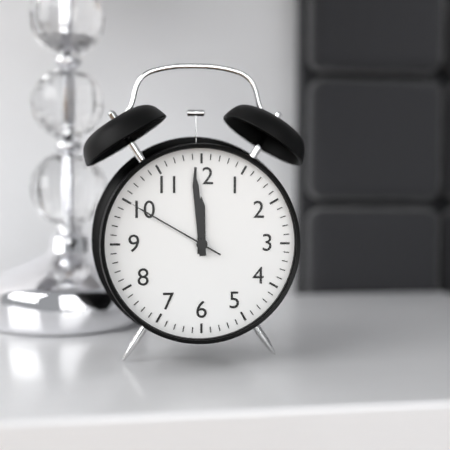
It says 11:59:50
